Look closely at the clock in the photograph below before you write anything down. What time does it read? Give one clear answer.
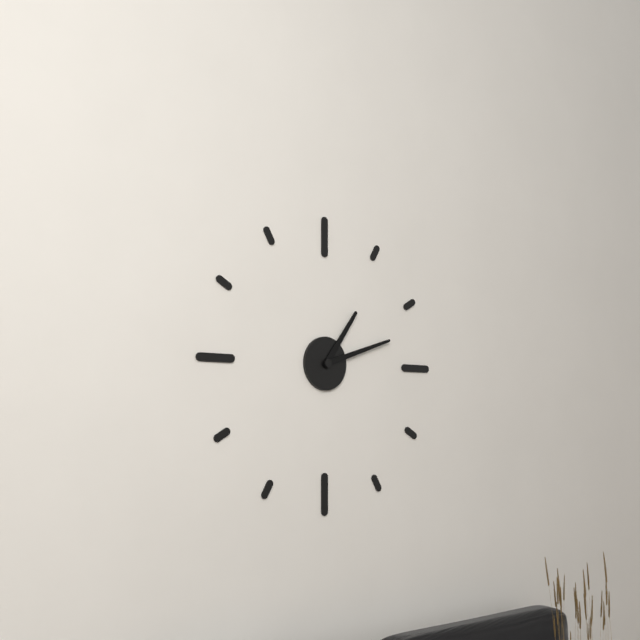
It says 1:12
